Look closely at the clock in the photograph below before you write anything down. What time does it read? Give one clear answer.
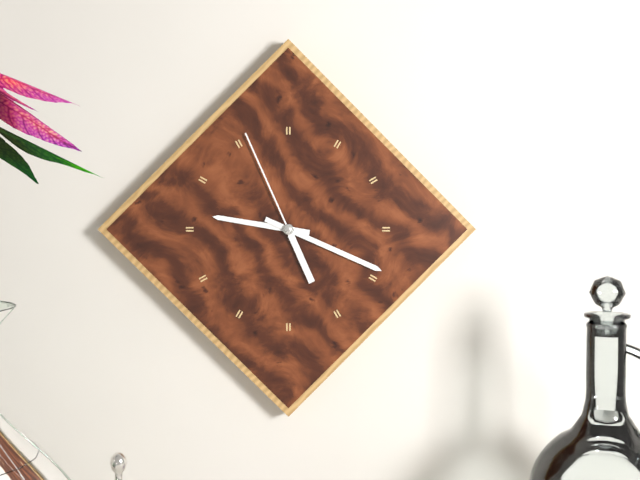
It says 9:19:56
